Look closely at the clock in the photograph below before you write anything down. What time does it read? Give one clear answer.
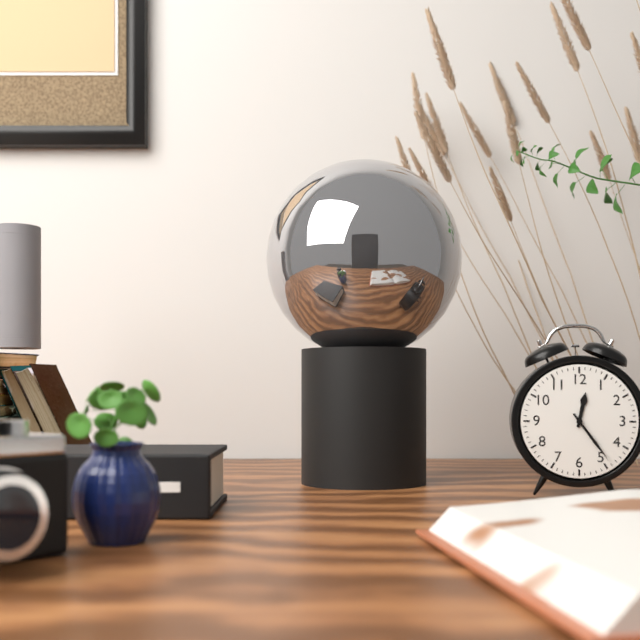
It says 12:24
